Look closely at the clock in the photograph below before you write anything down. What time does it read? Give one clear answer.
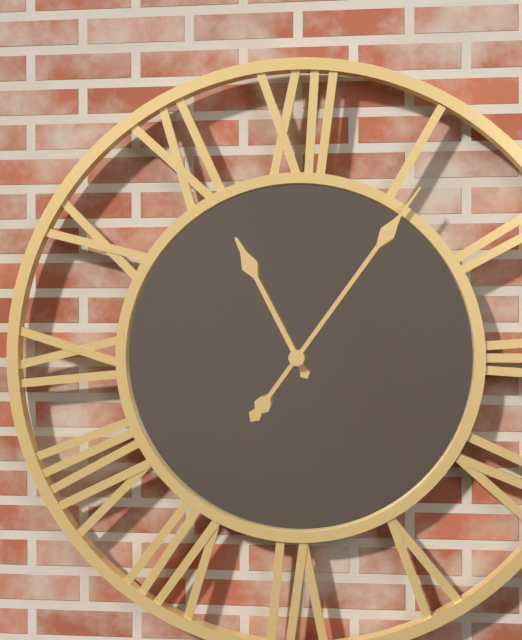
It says 11:06
